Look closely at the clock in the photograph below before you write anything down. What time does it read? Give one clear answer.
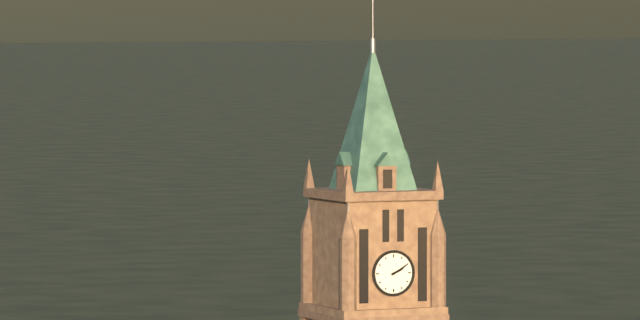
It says 2:10
